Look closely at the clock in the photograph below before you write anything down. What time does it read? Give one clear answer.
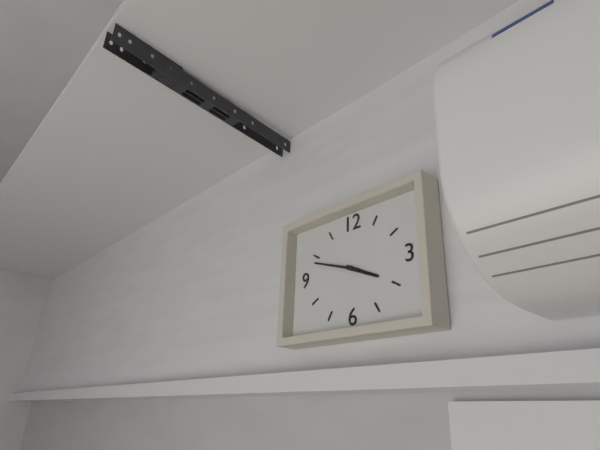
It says 3:48
